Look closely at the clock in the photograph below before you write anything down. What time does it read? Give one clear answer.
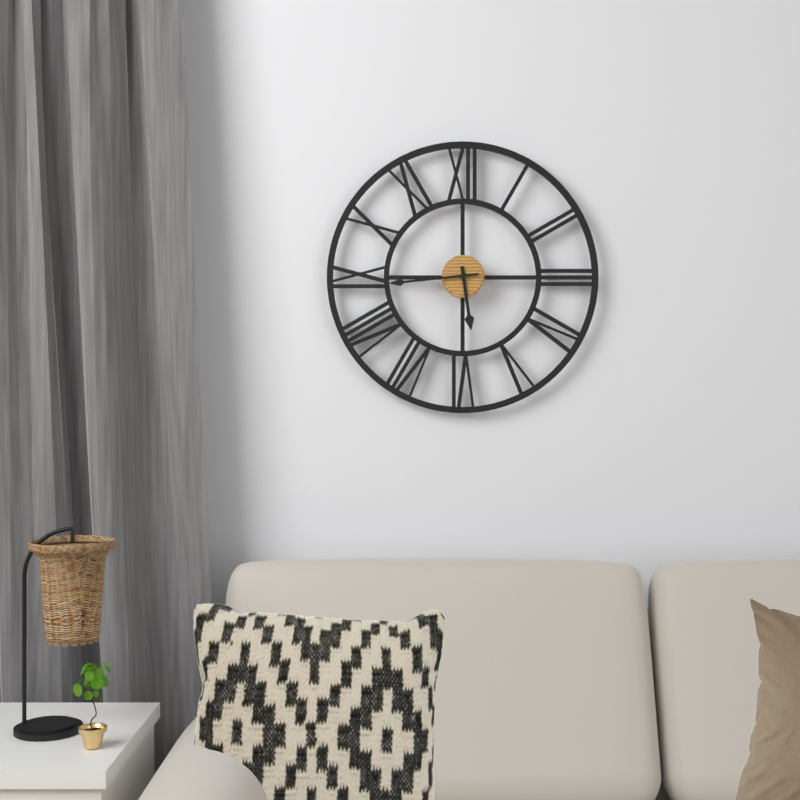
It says 5:44
